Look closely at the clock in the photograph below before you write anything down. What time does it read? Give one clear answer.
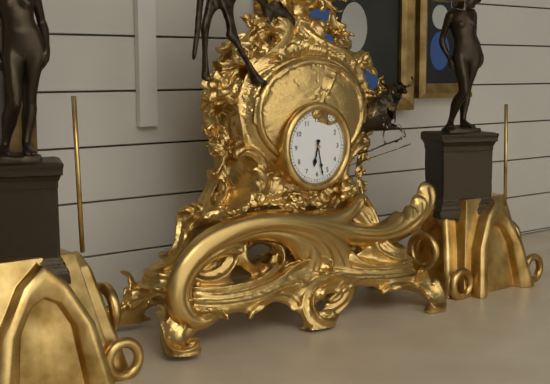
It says 6:28
